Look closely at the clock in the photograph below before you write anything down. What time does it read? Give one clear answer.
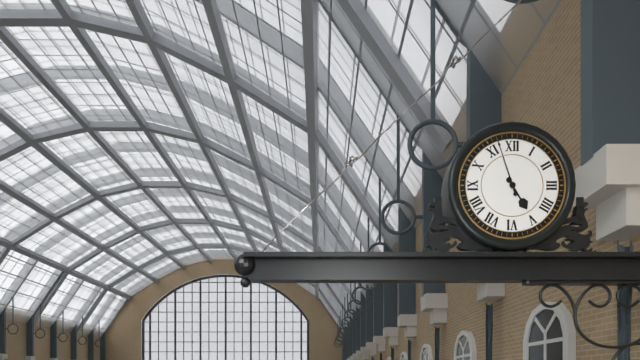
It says 4:57
